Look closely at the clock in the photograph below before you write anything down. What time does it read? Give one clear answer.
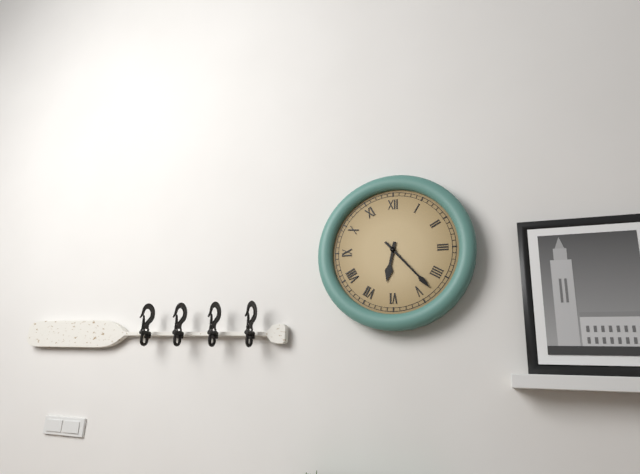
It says 6:23
